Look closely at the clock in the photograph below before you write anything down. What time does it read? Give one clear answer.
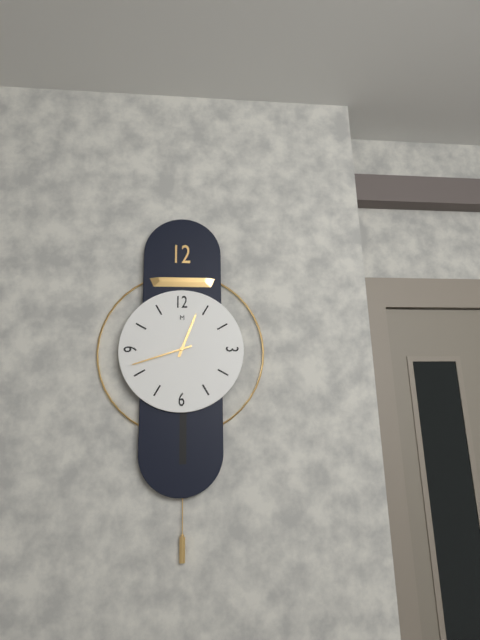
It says 12:42
